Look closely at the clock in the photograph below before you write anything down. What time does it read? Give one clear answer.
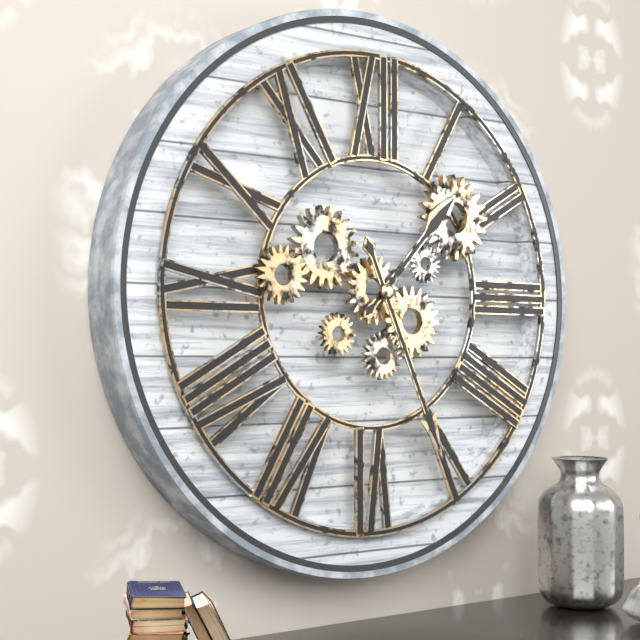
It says 1:26
